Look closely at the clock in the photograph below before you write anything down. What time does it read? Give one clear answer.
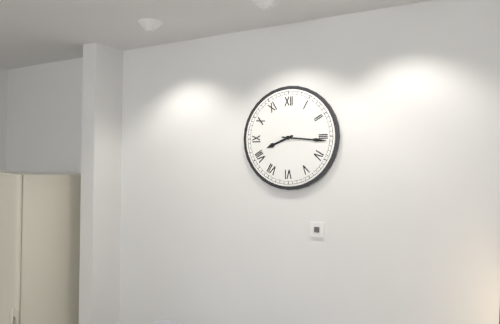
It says 8:16
